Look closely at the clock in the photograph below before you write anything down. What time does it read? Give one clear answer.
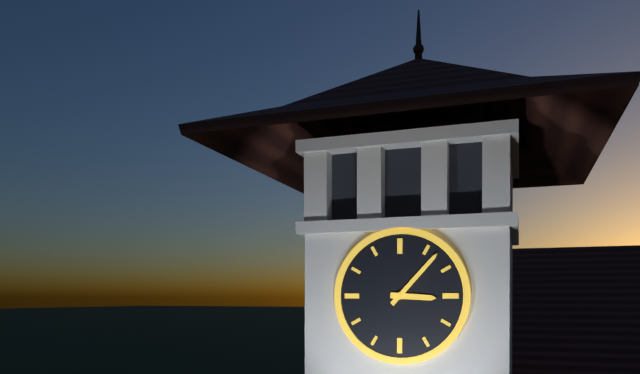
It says 3:07
